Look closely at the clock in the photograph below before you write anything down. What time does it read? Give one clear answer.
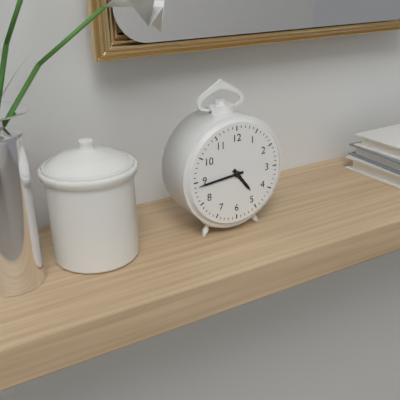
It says 4:44
